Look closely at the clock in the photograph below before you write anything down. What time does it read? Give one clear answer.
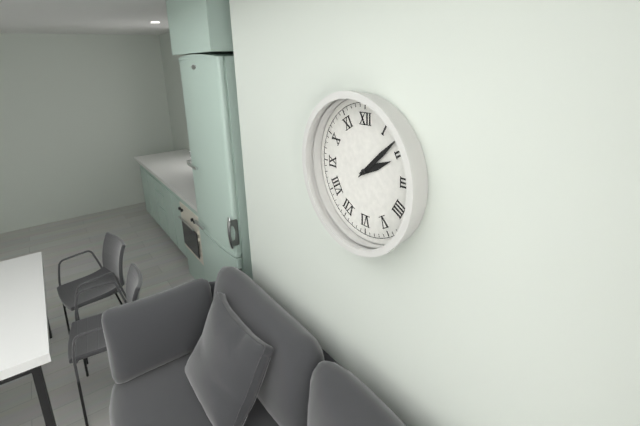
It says 2:08
